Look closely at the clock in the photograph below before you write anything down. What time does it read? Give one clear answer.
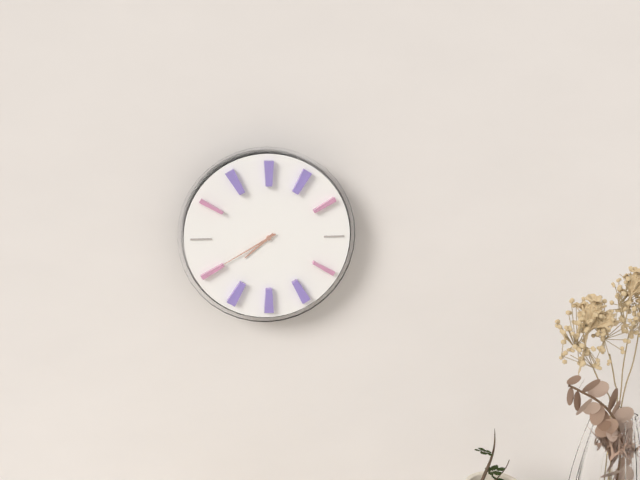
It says 7:40
